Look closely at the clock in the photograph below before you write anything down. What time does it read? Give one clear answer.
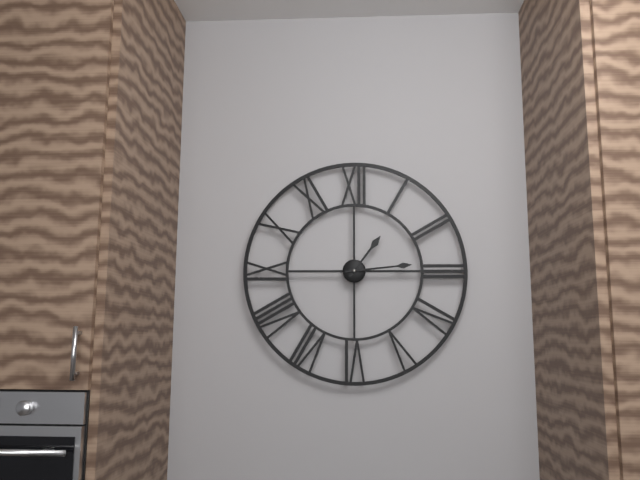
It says 1:14
